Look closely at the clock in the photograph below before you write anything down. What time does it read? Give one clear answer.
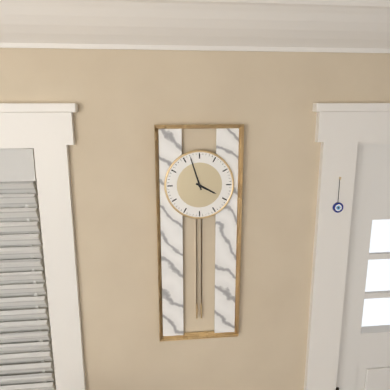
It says 3:57
